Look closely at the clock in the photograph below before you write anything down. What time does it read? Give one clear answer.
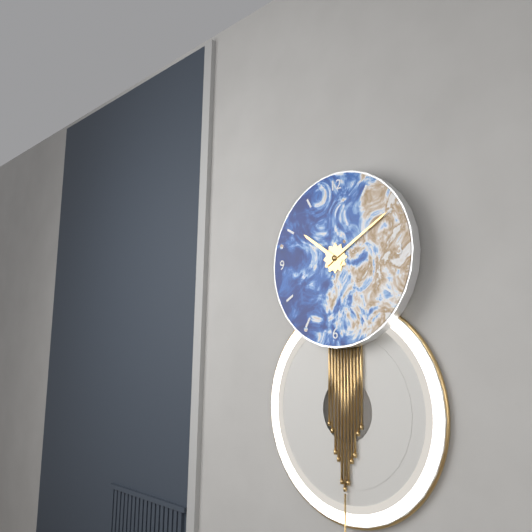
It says 10:10
